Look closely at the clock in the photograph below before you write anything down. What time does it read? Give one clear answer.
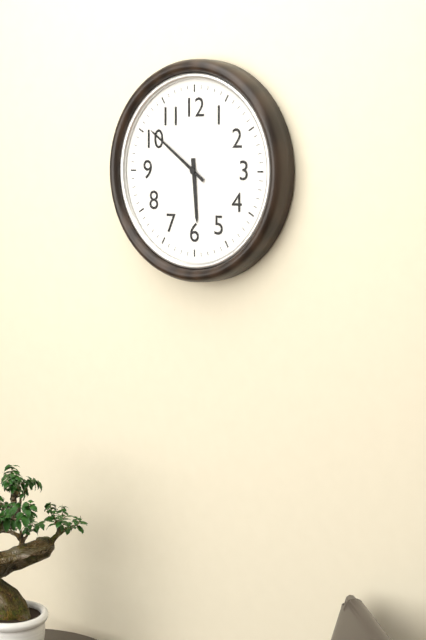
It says 5:51
